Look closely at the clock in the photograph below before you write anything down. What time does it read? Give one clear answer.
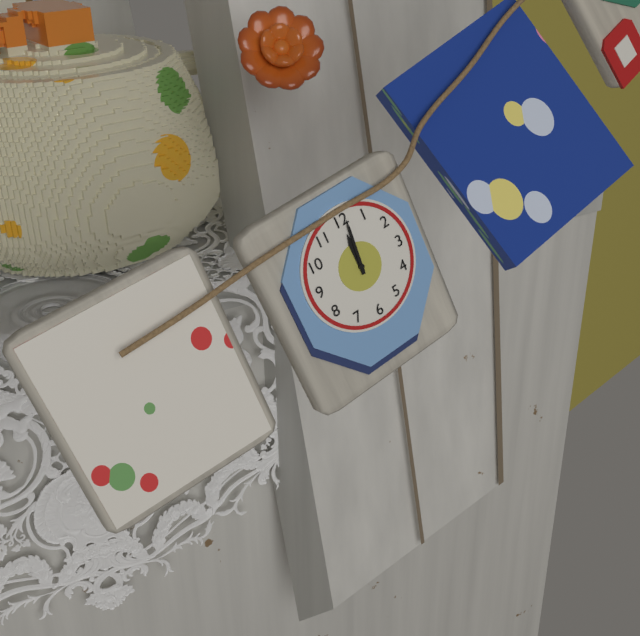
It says 12:01
